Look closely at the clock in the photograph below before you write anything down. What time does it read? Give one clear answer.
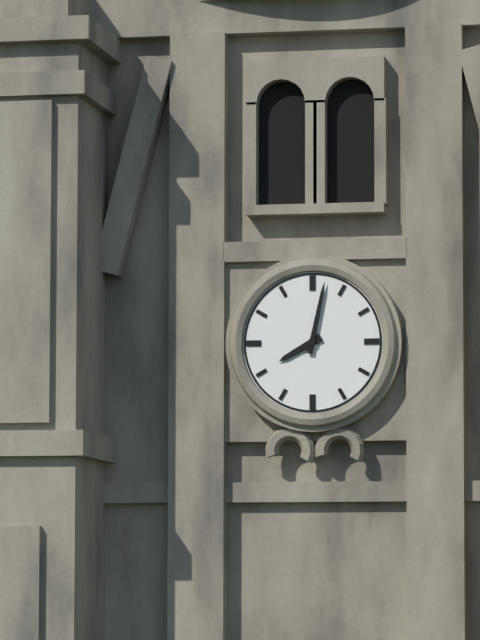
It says 8:02
